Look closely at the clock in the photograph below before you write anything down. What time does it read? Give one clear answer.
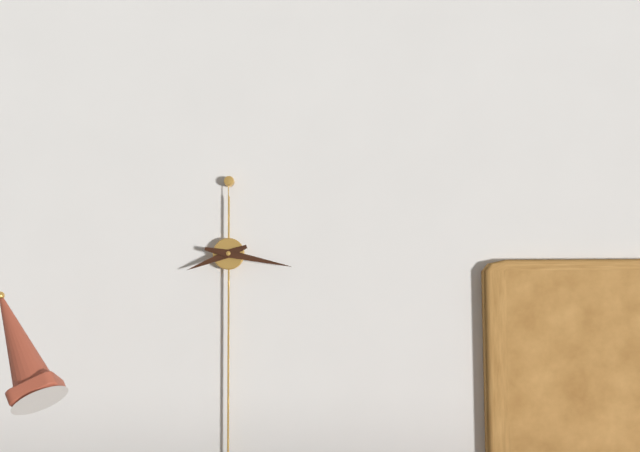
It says 8:17
